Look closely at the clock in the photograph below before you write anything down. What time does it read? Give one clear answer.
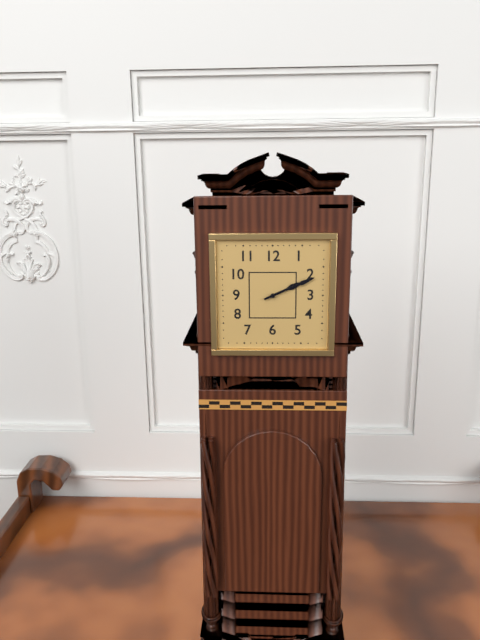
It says 2:11
